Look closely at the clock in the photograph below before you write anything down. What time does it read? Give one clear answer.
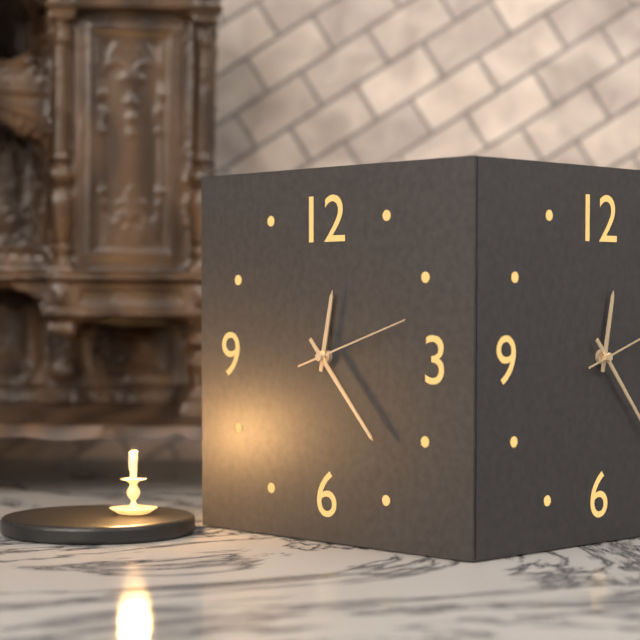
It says 12:23:12
